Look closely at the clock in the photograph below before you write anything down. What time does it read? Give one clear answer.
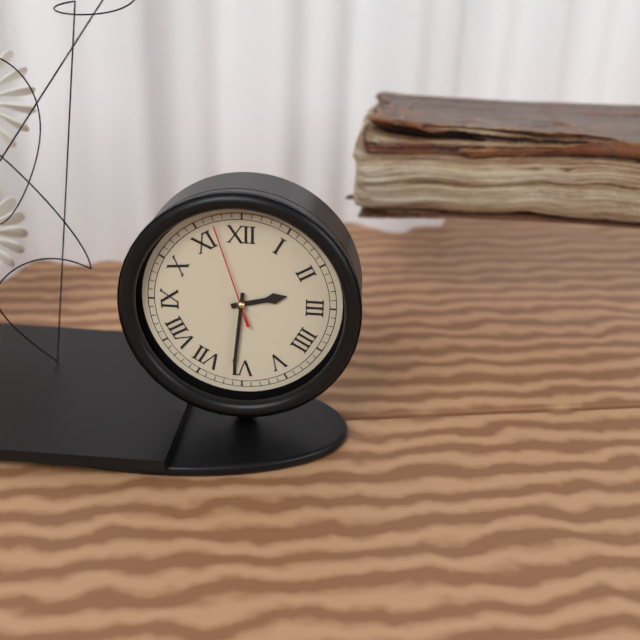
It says 2:31:57
